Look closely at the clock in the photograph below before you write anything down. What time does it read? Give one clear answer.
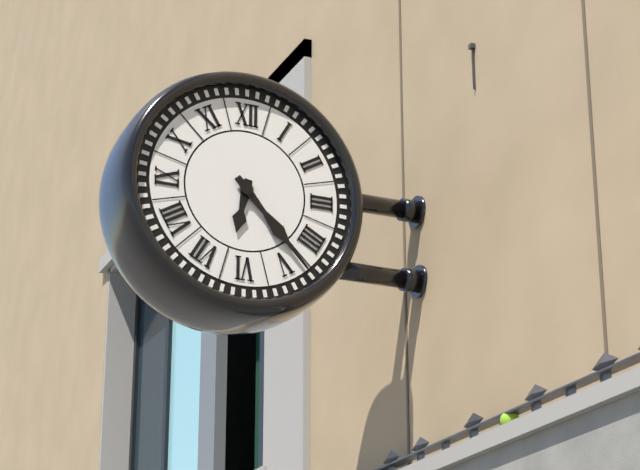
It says 6:23
